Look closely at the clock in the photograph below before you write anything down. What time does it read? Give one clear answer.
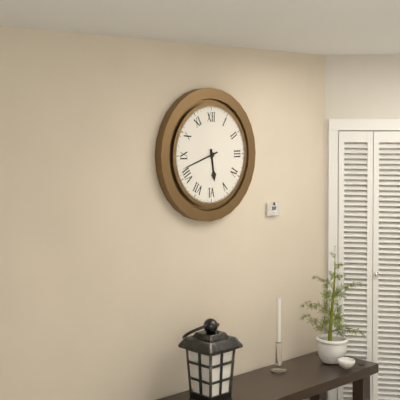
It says 5:42
